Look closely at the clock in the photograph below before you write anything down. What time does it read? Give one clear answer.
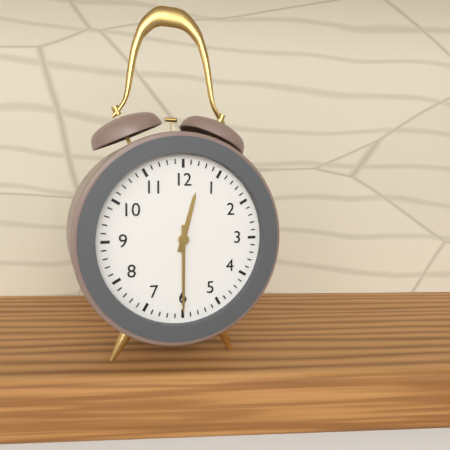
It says 12:30
